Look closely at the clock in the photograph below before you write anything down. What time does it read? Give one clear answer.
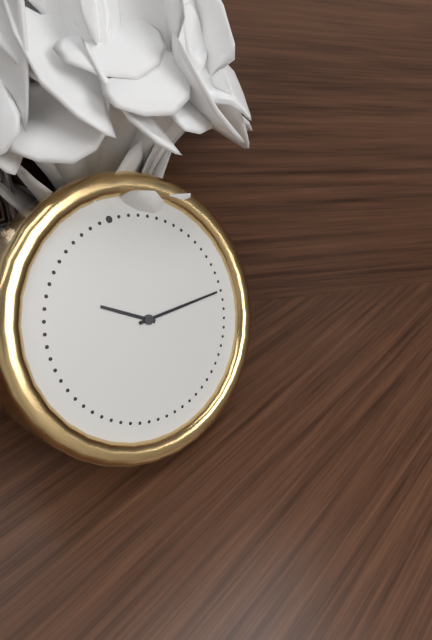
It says 10:16
